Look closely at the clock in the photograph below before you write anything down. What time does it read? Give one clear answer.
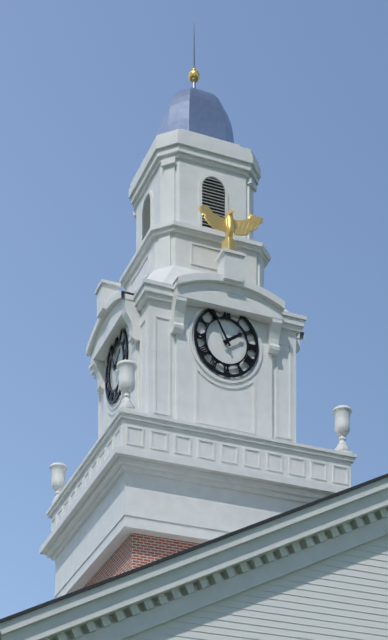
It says 1:55
